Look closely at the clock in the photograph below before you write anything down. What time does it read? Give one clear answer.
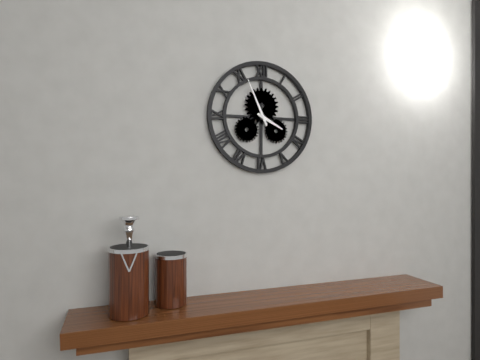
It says 3:56
